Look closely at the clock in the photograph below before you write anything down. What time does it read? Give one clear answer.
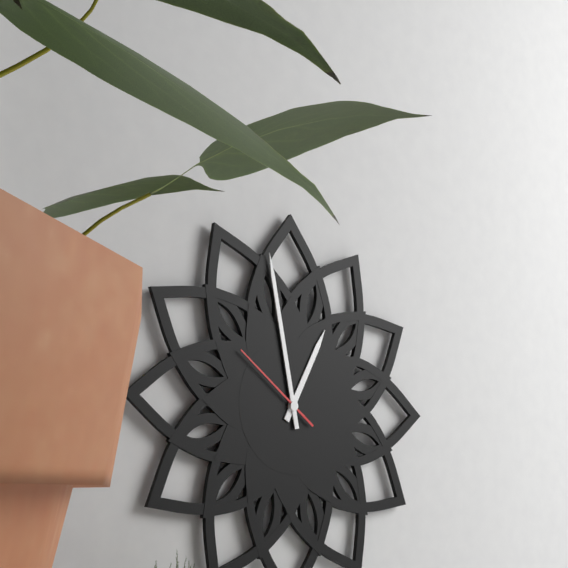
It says 12:58:51
